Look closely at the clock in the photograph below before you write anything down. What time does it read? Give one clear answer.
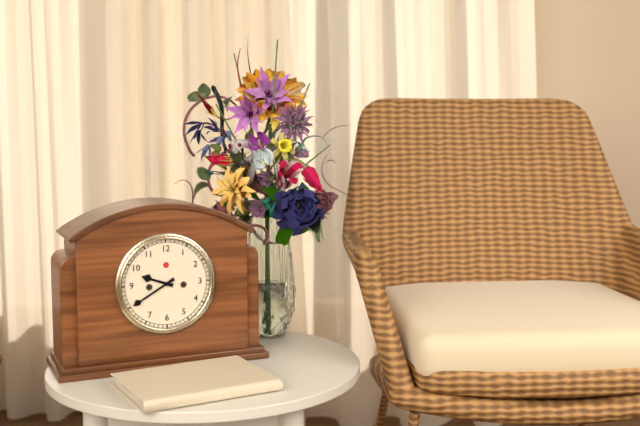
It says 9:40
